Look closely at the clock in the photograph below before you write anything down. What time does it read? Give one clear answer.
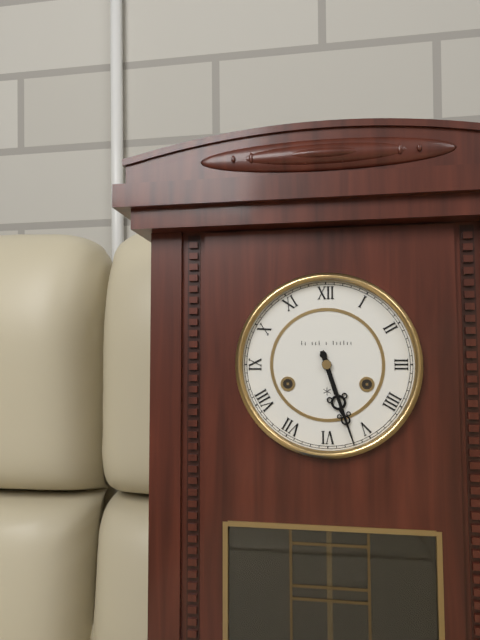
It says 5:27
